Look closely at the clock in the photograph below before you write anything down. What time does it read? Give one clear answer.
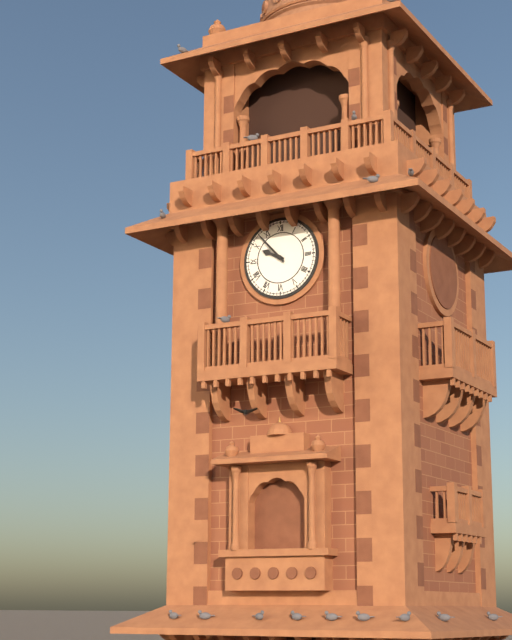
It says 9:53
